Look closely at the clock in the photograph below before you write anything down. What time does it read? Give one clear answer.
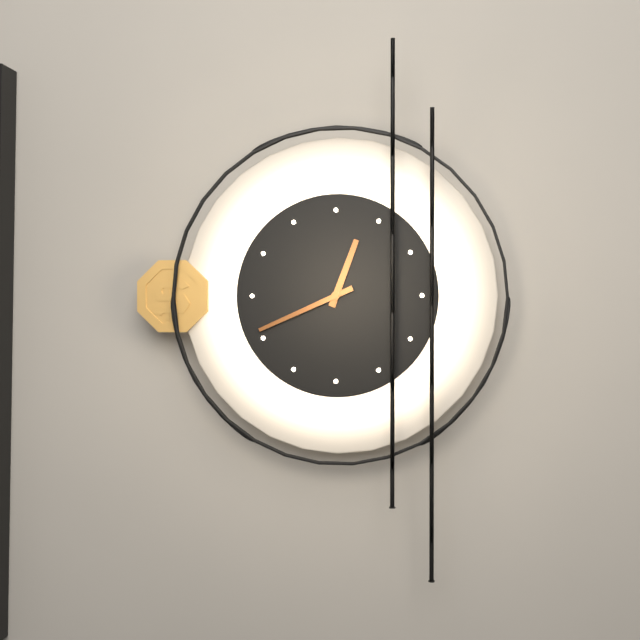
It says 12:41
